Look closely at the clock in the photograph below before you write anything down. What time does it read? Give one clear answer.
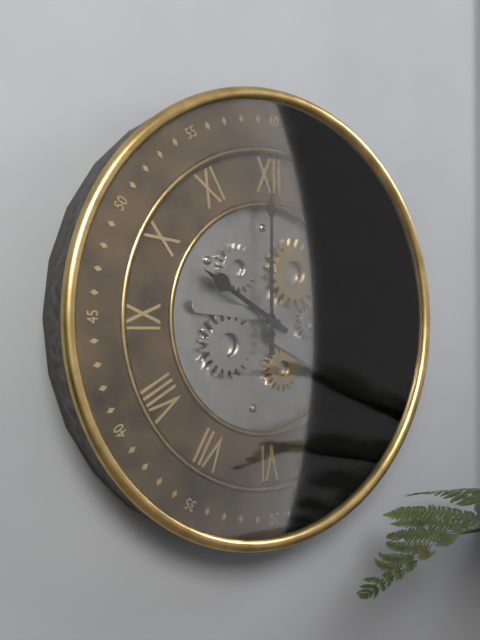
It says 10:00
